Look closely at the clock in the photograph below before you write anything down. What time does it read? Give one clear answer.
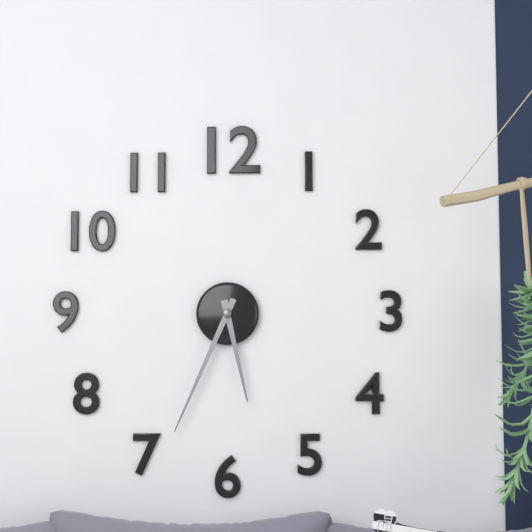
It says 5:34
